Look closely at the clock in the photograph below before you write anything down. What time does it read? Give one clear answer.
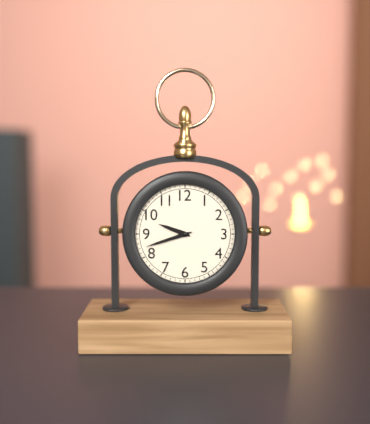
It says 9:42
